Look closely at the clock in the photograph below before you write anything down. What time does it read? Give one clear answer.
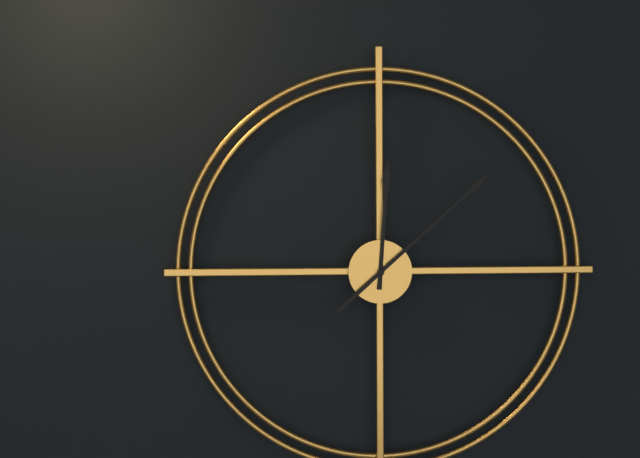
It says 12:08
